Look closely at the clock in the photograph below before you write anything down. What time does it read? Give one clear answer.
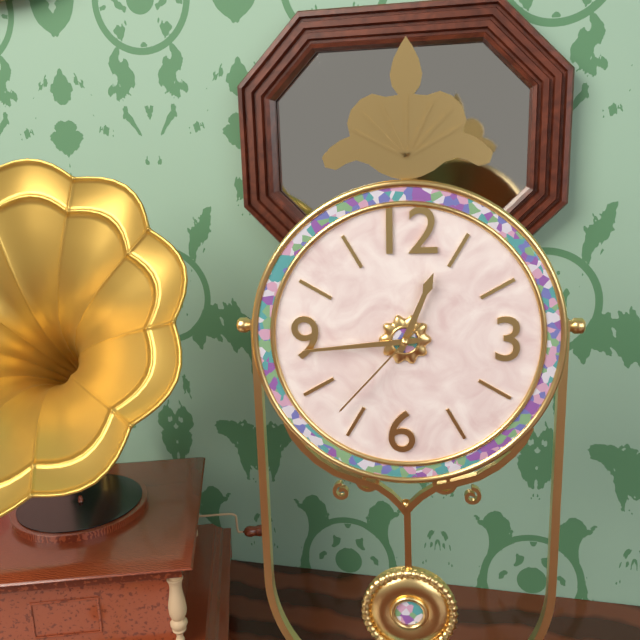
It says 12:44:37
